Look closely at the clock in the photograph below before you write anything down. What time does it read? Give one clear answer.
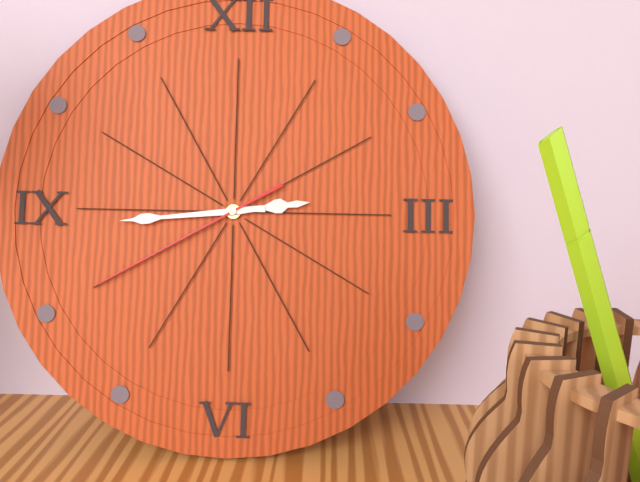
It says 2:44:40
